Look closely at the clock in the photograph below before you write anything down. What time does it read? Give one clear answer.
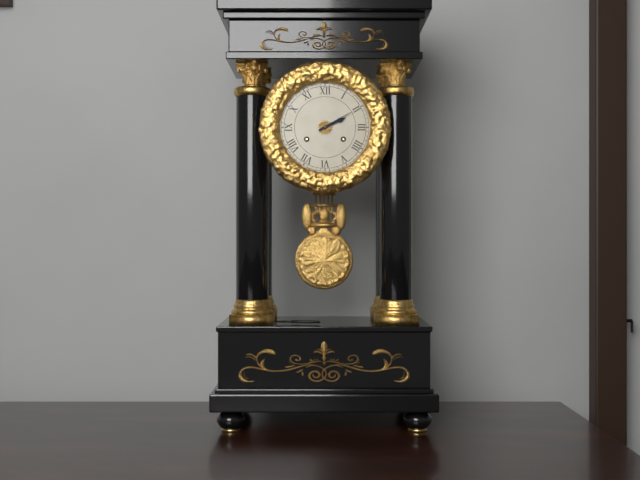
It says 2:10
